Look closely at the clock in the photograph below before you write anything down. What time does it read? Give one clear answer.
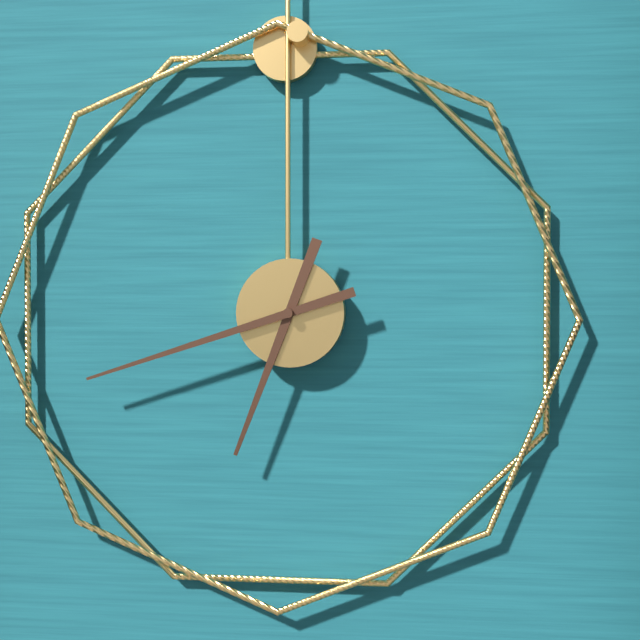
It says 6:42
